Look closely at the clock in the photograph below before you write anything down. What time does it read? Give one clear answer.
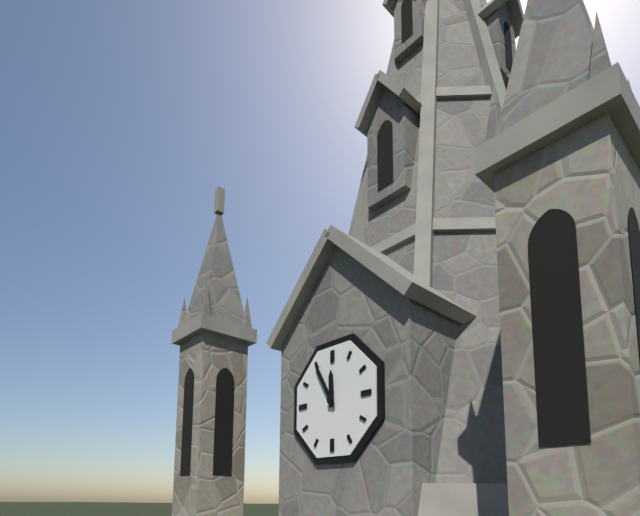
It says 11:55
